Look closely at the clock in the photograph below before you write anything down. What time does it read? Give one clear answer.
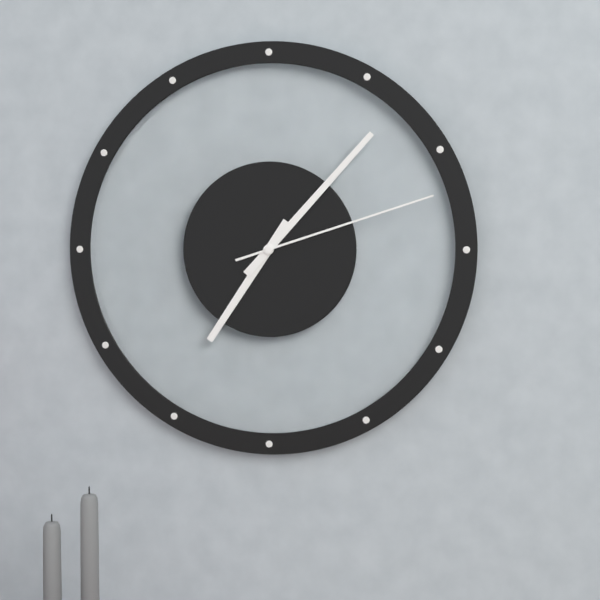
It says 7:07:12
